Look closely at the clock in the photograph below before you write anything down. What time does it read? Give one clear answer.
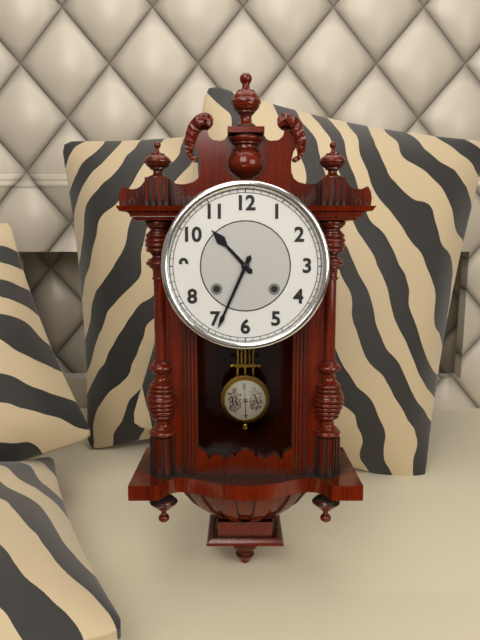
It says 10:34
